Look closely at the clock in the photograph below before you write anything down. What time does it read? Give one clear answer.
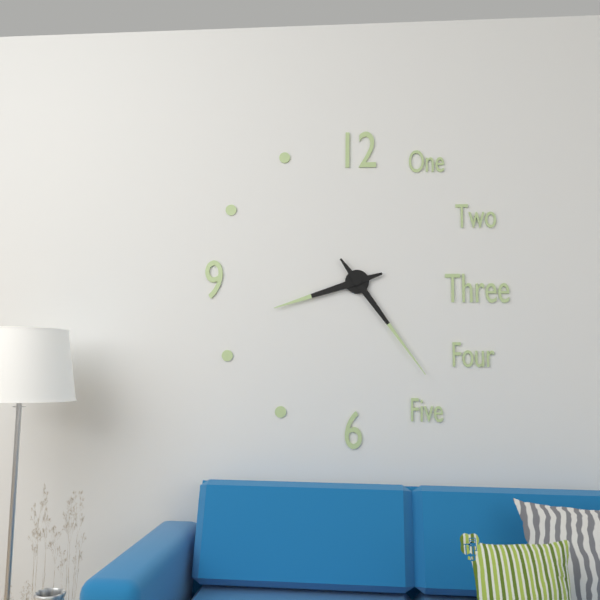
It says 8:24
